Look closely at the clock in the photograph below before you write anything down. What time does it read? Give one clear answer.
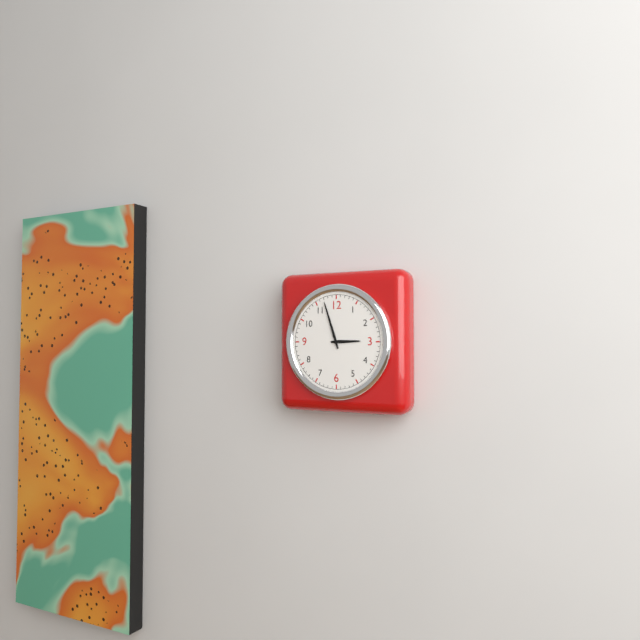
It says 2:57
